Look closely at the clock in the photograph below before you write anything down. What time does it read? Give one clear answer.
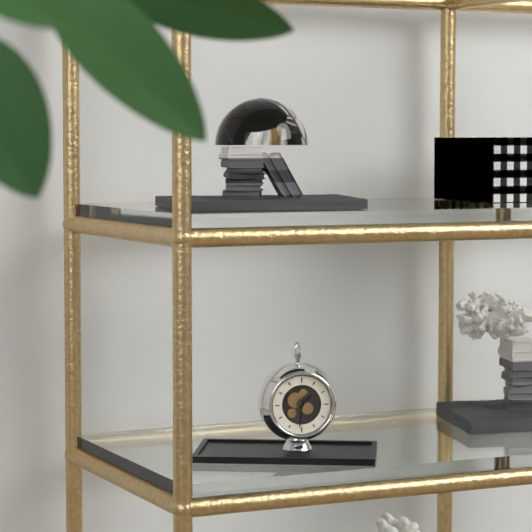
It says 1:31
